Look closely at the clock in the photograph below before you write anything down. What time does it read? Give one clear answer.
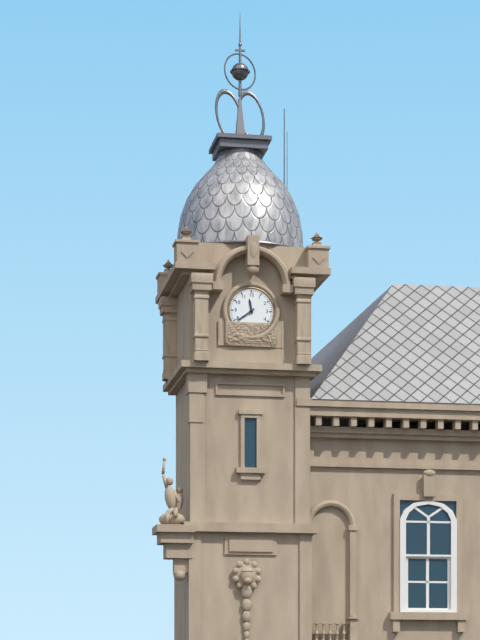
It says 11:39
